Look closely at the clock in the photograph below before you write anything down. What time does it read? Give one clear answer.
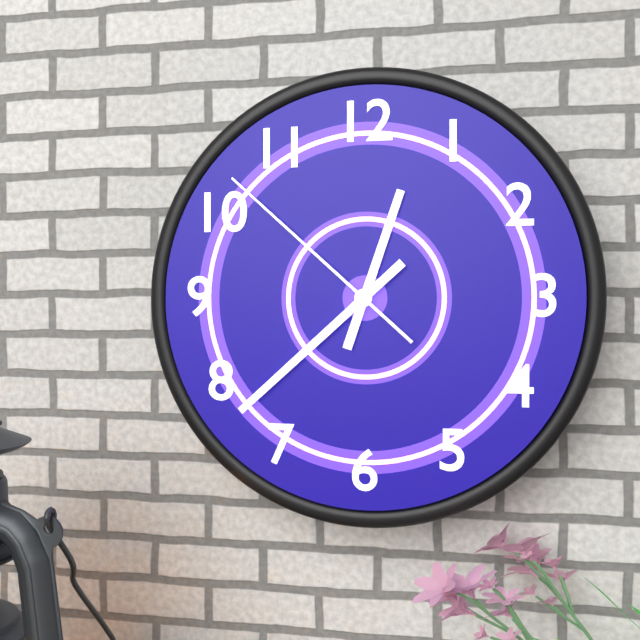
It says 12:38:52
